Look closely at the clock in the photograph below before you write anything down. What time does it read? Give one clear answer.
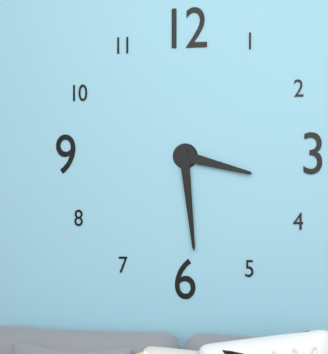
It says 3:29
